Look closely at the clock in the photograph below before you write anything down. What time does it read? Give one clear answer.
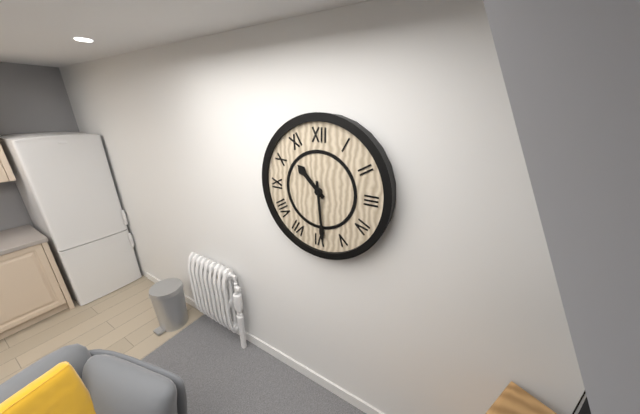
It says 10:29
